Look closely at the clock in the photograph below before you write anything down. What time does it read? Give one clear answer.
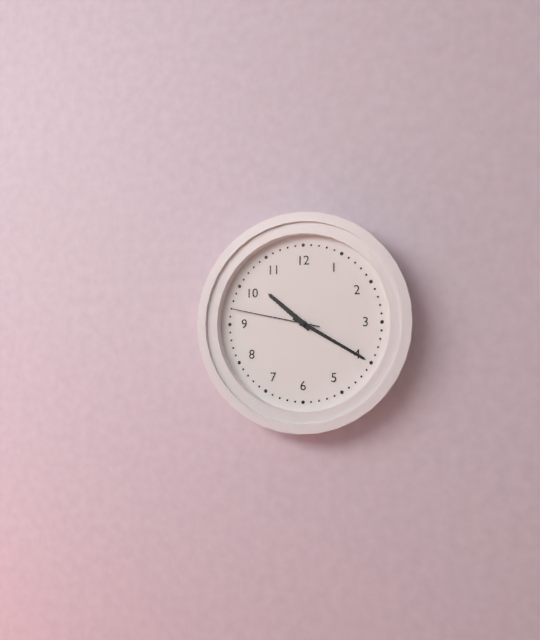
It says 10:20:47
